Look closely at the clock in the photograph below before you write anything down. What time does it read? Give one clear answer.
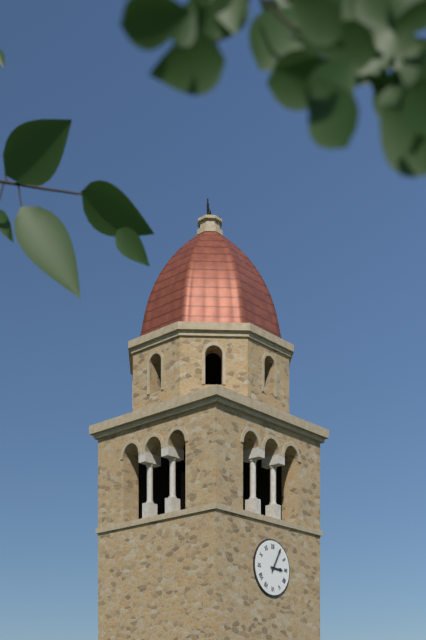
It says 3:05
